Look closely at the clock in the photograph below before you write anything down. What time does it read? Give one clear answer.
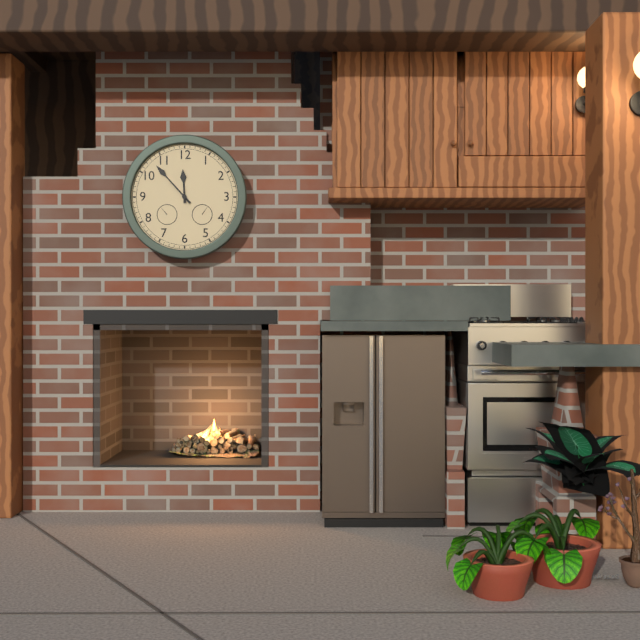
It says 11:53
